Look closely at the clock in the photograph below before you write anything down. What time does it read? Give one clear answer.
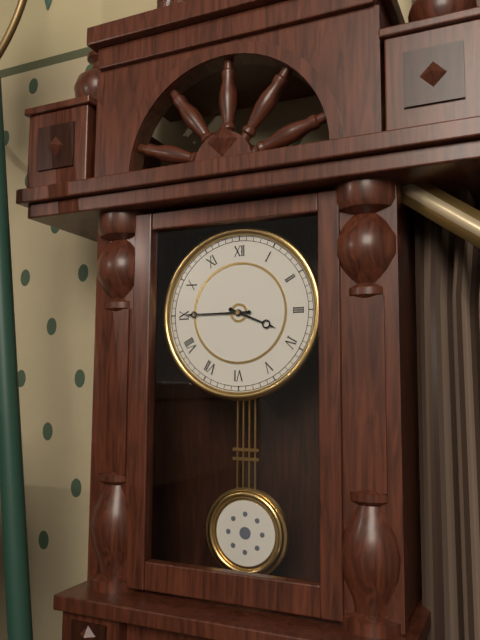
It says 3:45
